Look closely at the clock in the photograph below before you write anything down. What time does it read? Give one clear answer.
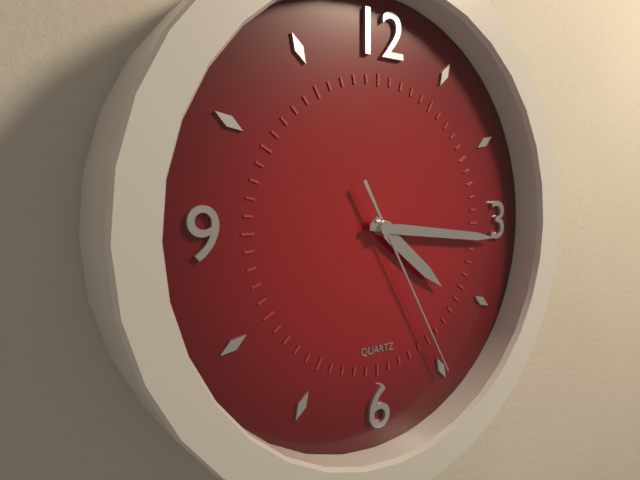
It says 4:16:25
